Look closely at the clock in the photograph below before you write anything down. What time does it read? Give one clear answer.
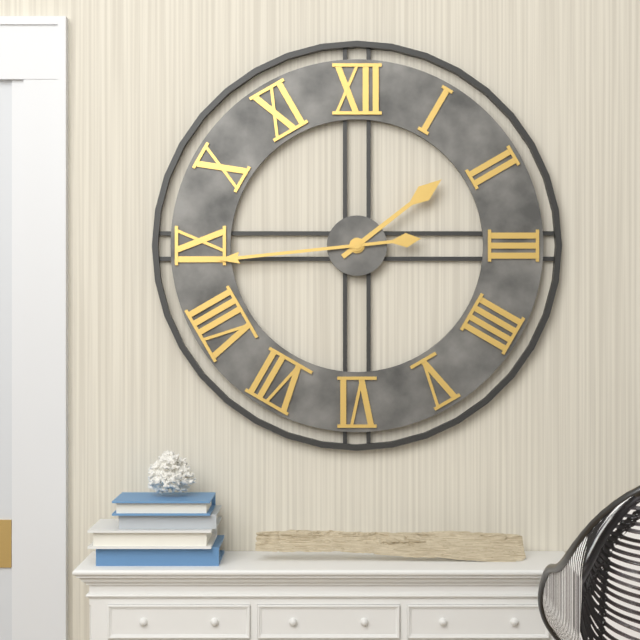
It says 1:44
